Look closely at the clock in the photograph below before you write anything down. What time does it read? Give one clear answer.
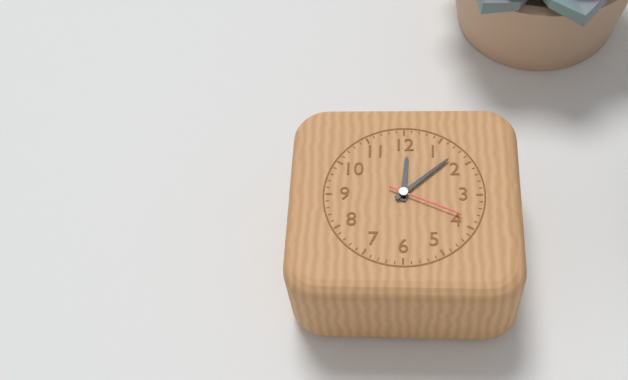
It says 12:08:19
